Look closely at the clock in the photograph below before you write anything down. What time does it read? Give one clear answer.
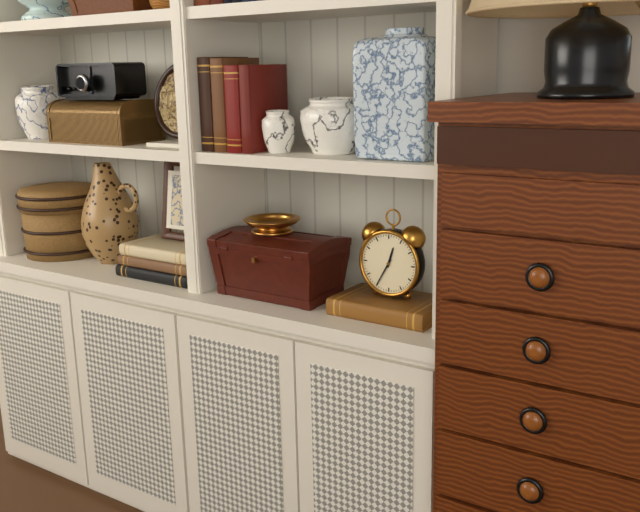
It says 12:35
